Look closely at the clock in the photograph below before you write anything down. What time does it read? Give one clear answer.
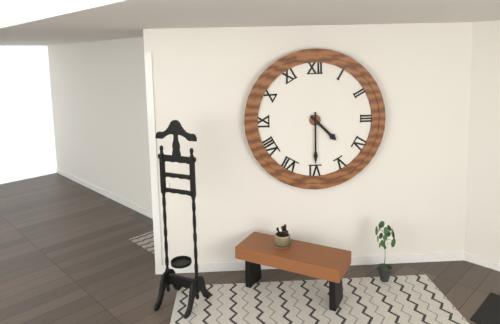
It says 4:30
